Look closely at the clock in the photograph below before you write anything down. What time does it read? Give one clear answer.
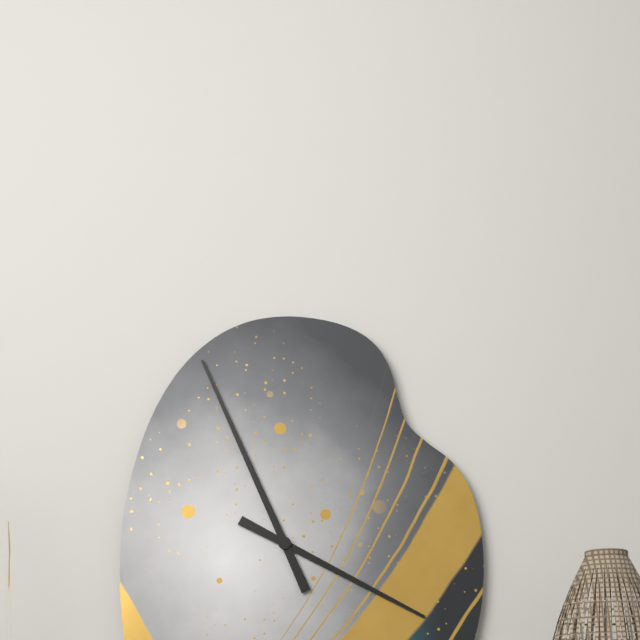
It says 3:56
